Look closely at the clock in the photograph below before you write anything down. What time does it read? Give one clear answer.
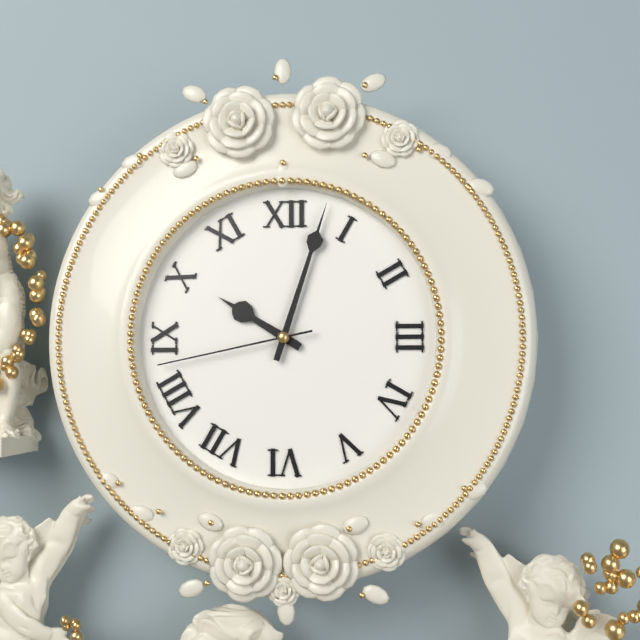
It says 10:03:43
